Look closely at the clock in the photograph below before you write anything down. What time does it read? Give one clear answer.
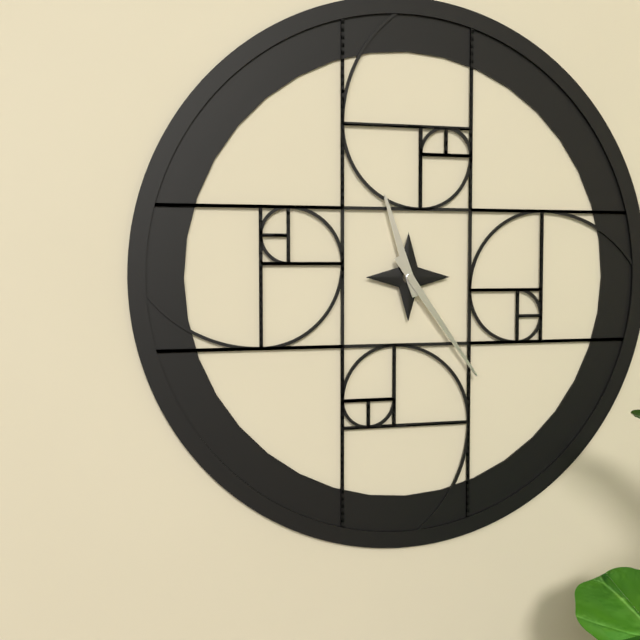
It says 11:24
